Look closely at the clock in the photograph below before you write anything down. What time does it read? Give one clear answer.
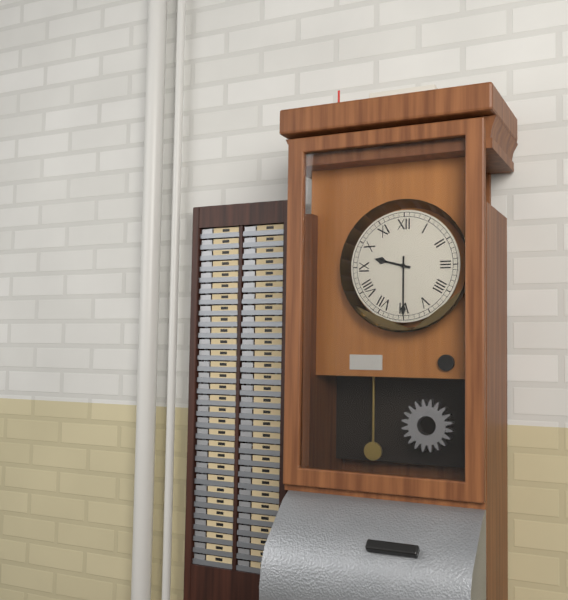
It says 9:30
